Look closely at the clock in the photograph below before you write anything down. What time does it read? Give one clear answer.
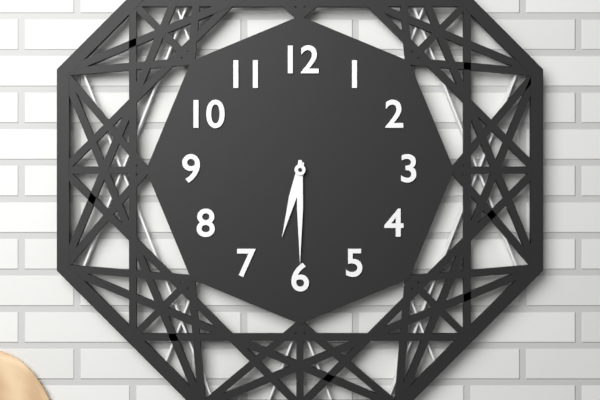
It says 6:30
